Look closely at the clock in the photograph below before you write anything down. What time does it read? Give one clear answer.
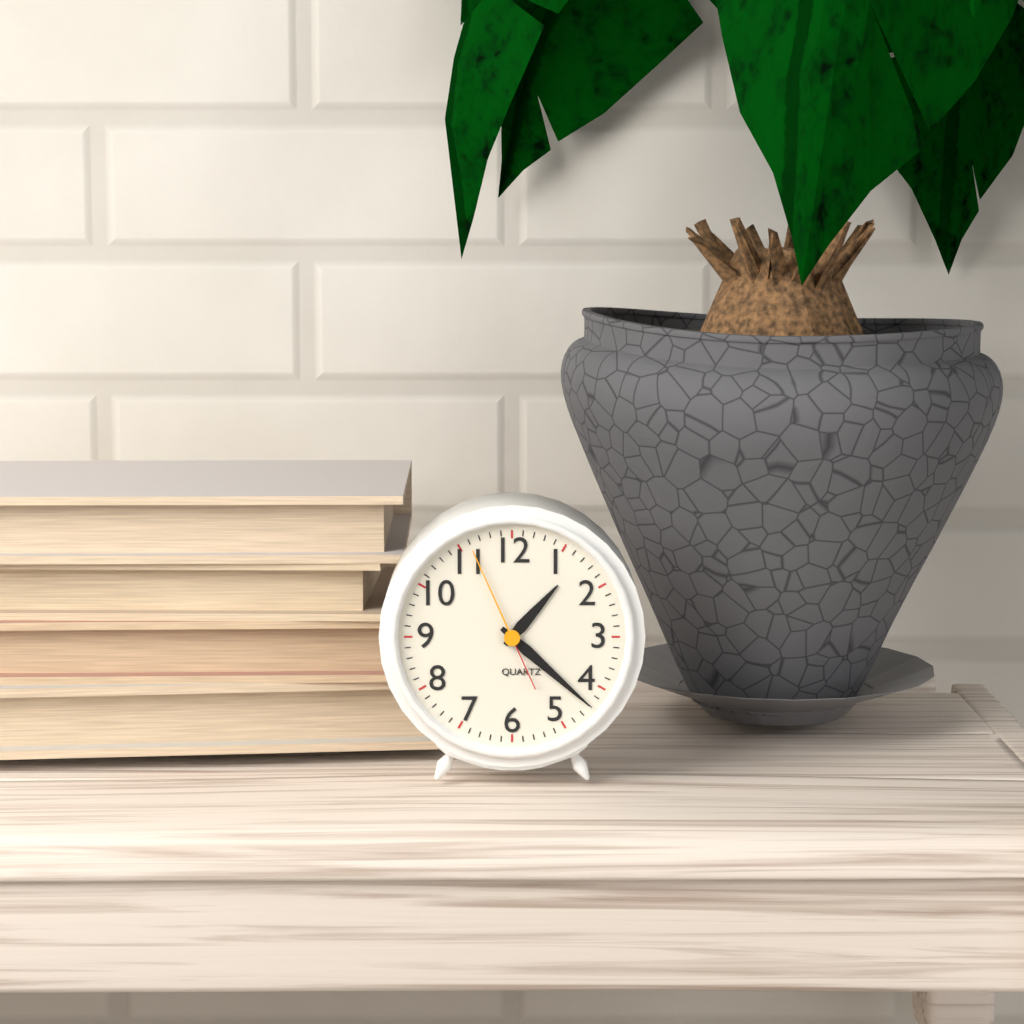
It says 1:22:56
